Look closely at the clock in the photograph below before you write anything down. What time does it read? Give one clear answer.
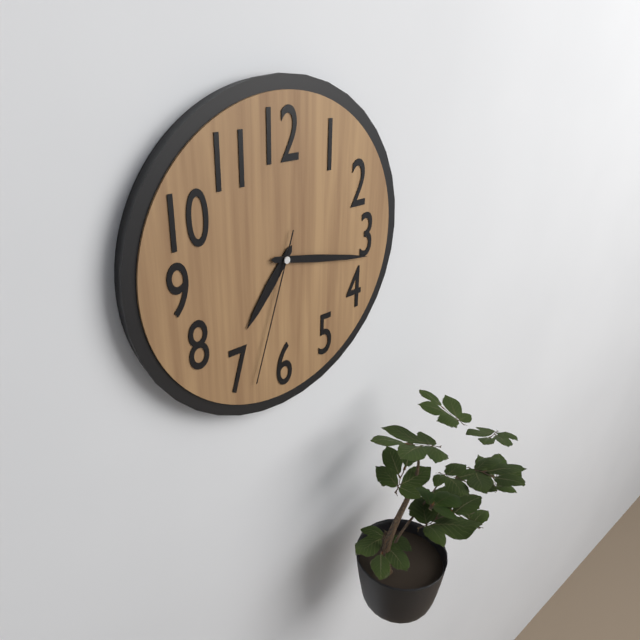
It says 7:17:33
